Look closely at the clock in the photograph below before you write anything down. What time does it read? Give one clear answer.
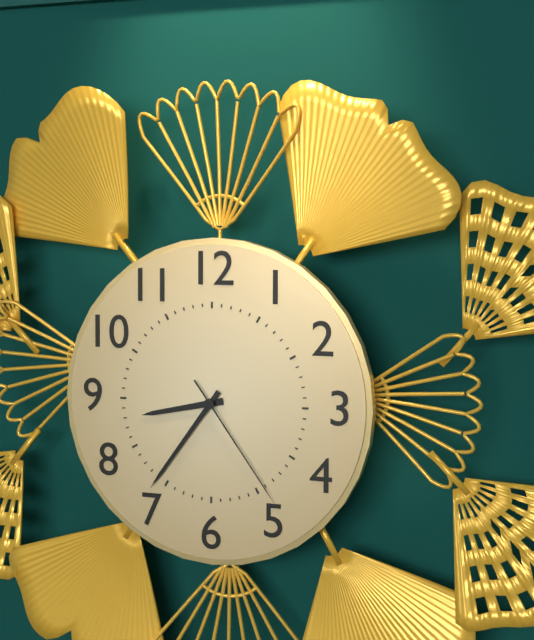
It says 8:36:24
